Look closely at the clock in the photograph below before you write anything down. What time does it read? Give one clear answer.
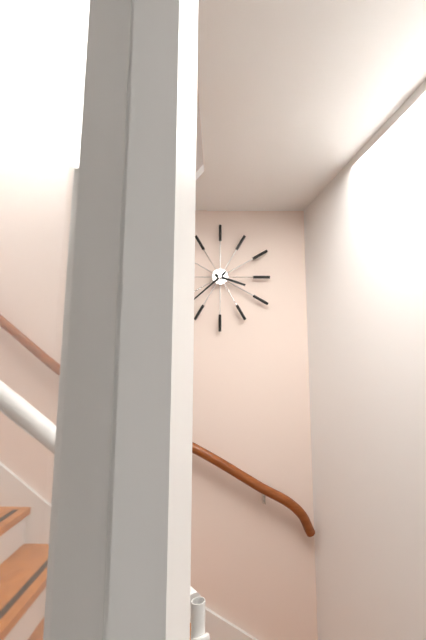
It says 3:38
